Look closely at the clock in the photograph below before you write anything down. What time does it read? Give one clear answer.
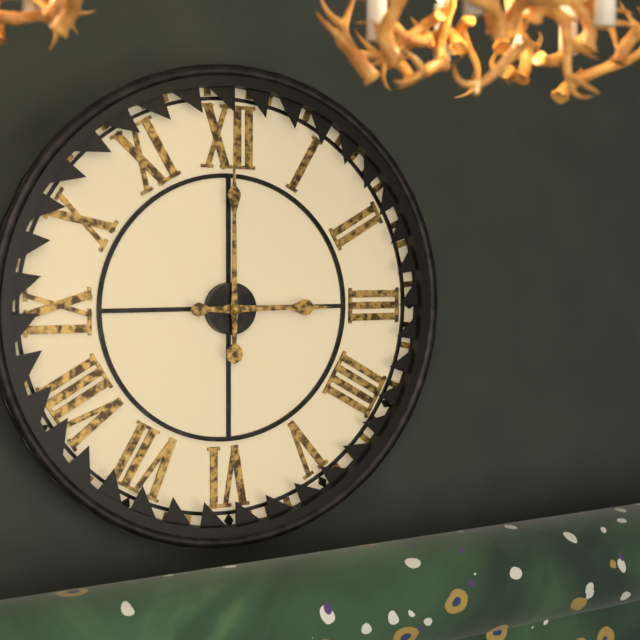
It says 3:00
